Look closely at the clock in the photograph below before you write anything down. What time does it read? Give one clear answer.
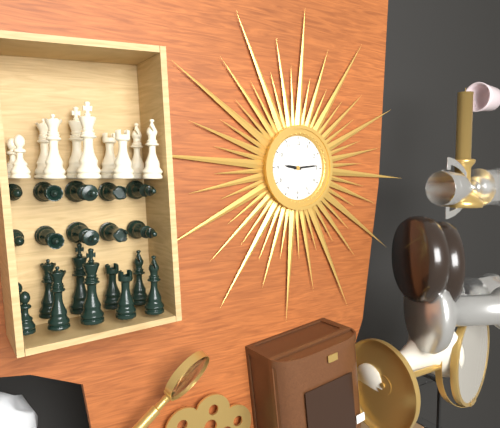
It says 9:14
